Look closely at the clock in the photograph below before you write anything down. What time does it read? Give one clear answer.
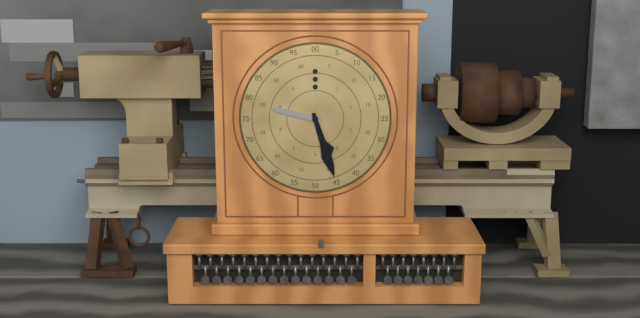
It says 9:27
